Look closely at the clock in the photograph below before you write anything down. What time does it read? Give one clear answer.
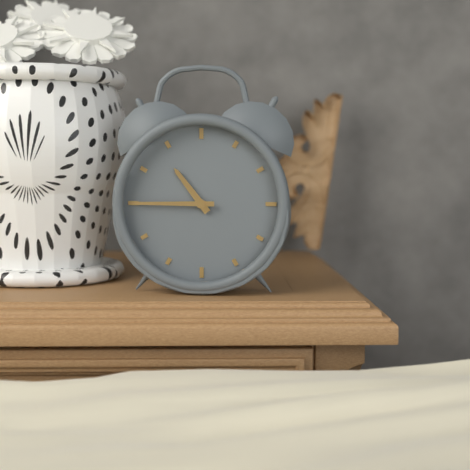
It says 10:45
